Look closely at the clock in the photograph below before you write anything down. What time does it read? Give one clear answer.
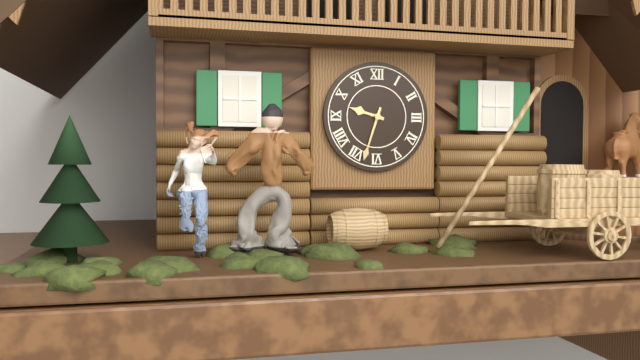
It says 9:33
